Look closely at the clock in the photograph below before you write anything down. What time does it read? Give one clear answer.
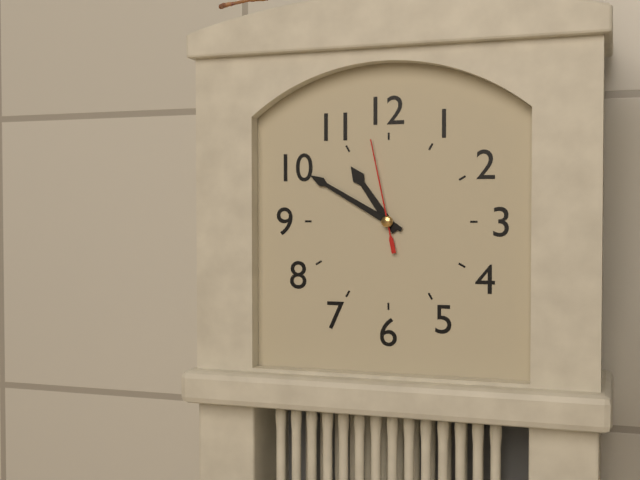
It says 10:50:58
